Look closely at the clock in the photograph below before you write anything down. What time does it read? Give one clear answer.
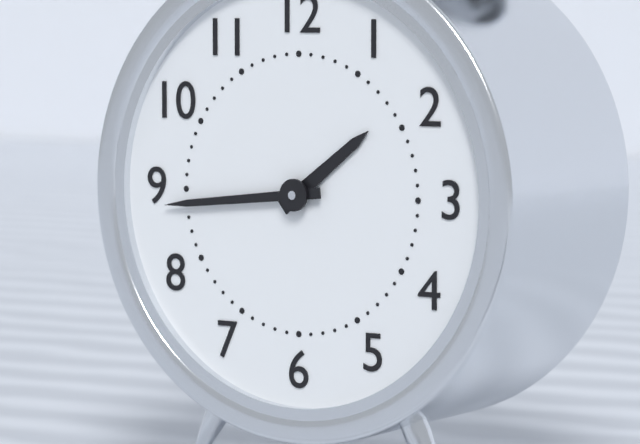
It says 1:44
